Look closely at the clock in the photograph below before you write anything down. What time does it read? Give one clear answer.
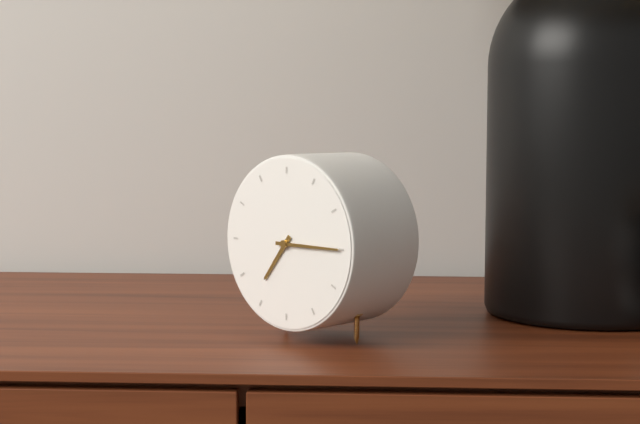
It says 7:15
